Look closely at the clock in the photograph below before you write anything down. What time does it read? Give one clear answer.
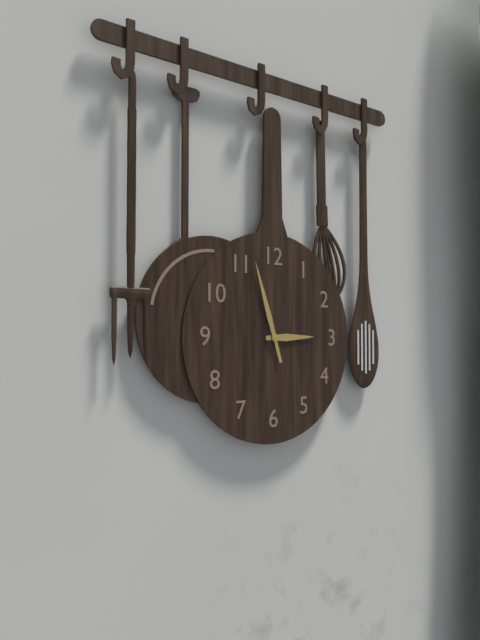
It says 2:57
